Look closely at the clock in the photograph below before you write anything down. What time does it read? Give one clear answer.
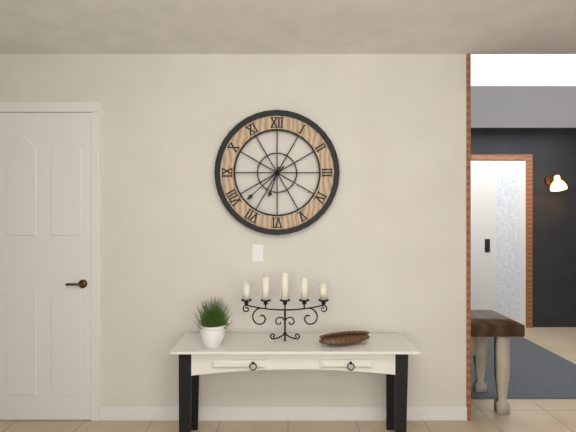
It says 6:38
